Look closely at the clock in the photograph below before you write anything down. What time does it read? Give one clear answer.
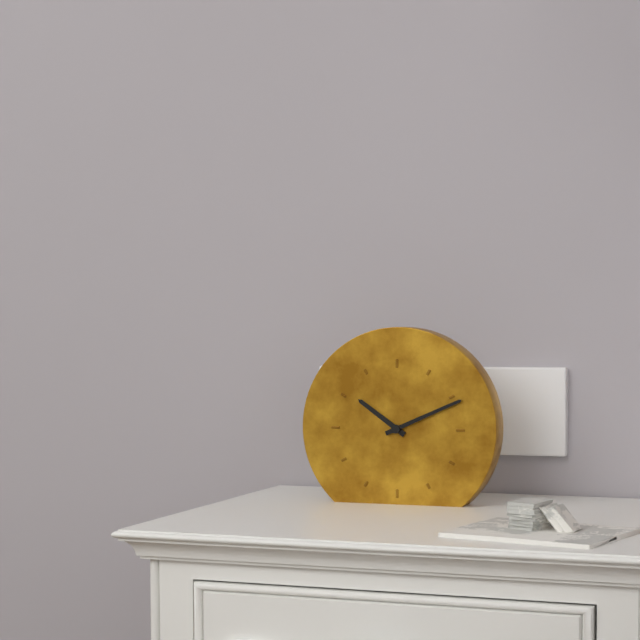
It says 10:11
